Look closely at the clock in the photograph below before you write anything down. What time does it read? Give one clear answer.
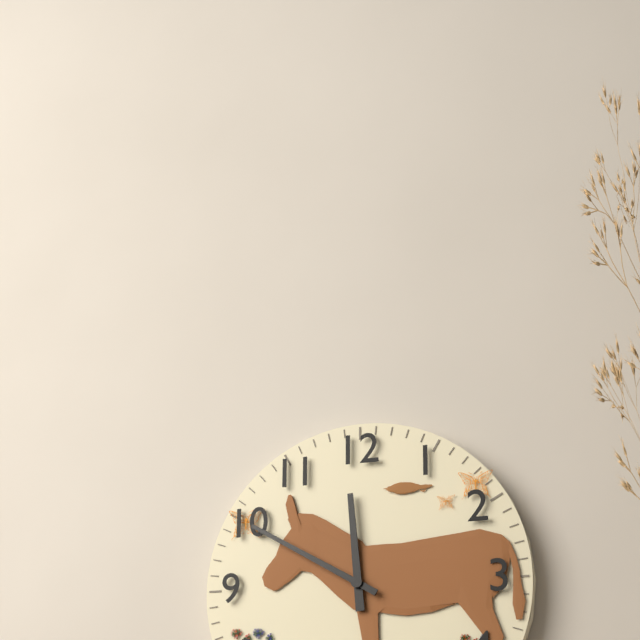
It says 11:50
